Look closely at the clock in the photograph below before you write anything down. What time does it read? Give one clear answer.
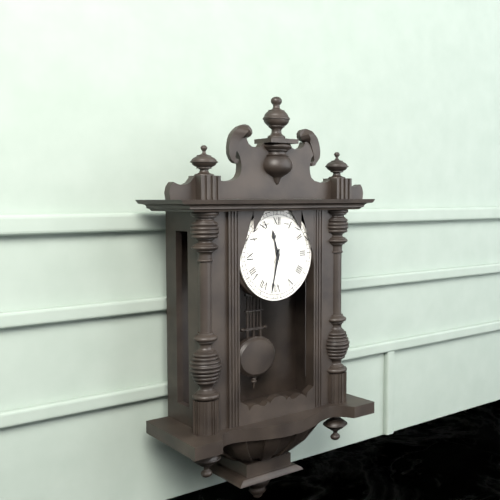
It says 11:32
